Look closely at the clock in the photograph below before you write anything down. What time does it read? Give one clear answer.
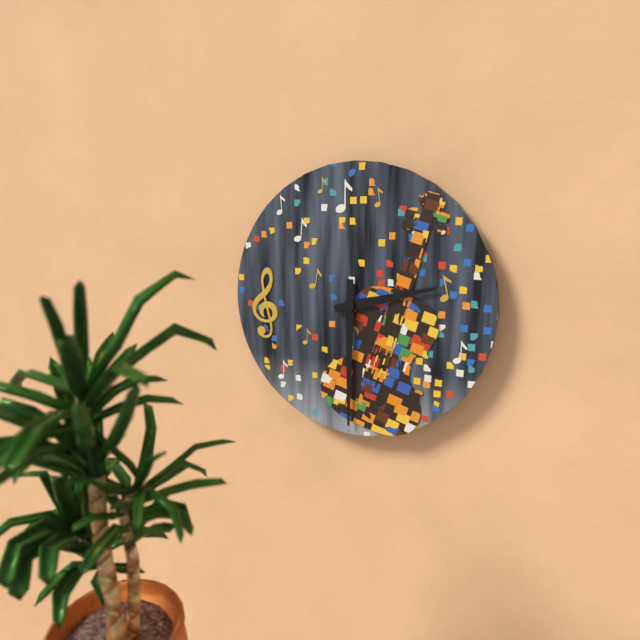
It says 2:30
